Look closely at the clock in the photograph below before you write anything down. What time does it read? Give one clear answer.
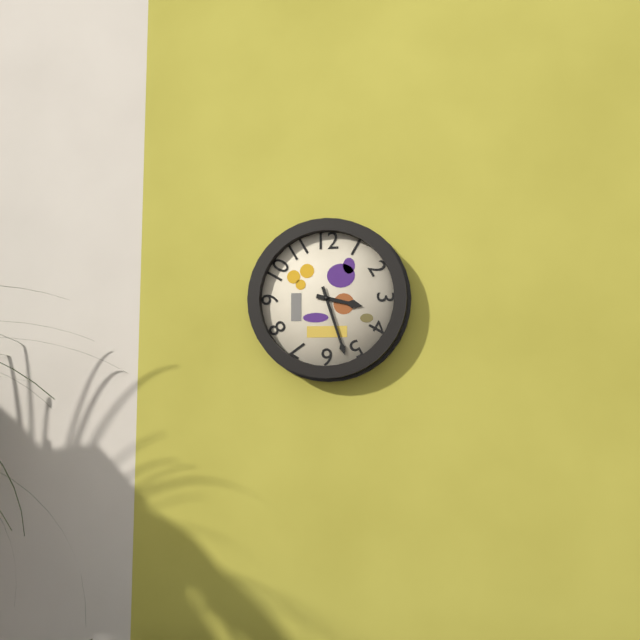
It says 3:27
